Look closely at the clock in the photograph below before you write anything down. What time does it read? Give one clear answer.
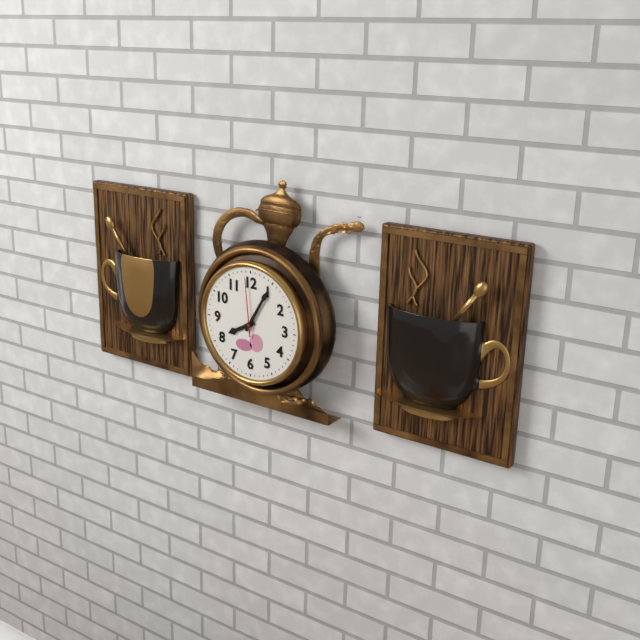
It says 8:05:59
